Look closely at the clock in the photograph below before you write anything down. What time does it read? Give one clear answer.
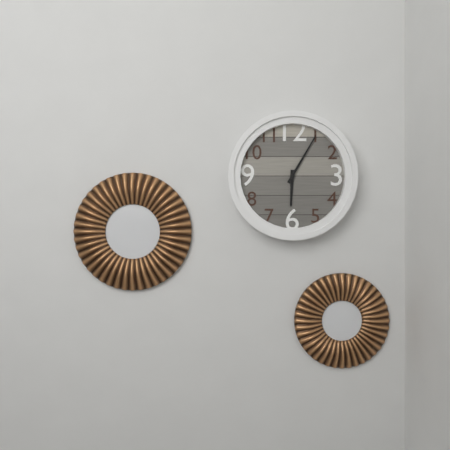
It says 6:05
